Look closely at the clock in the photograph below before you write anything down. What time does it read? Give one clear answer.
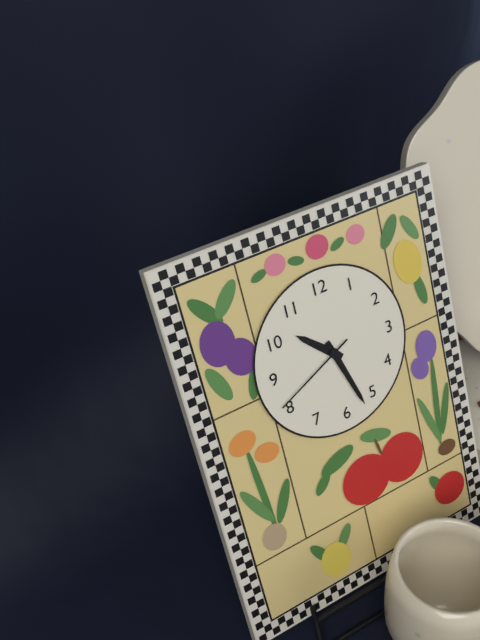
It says 10:27:41
